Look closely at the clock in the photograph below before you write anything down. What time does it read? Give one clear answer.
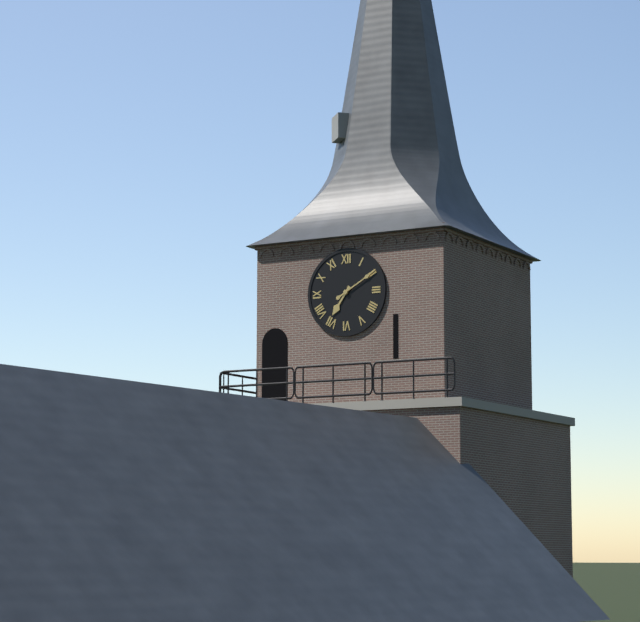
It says 7:10
